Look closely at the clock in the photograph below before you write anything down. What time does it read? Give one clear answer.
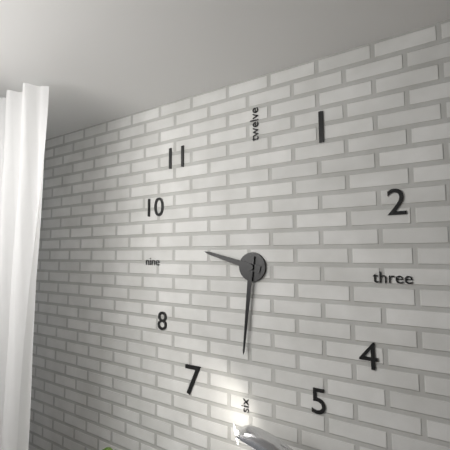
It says 9:31
